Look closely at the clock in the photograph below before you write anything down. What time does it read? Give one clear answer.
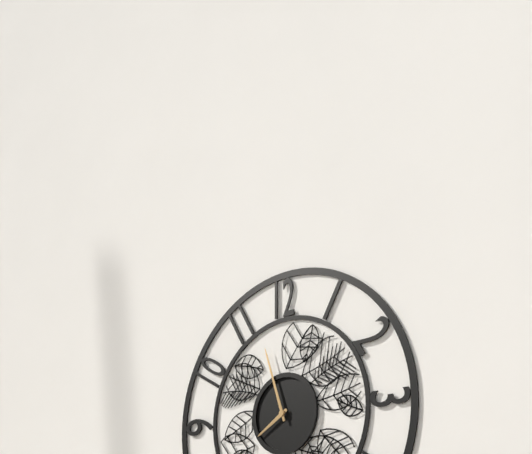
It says 7:57
